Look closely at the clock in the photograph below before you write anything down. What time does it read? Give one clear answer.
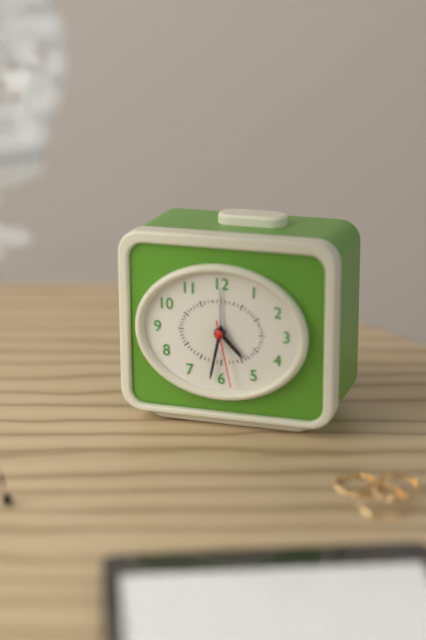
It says 4:32:28
